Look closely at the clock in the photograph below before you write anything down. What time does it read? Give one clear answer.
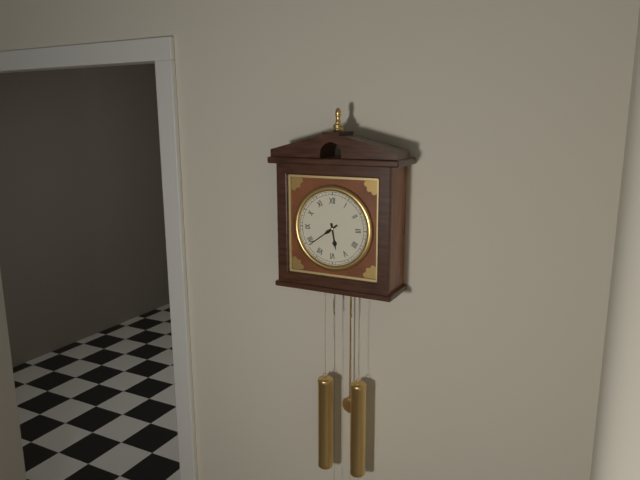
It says 5:39
